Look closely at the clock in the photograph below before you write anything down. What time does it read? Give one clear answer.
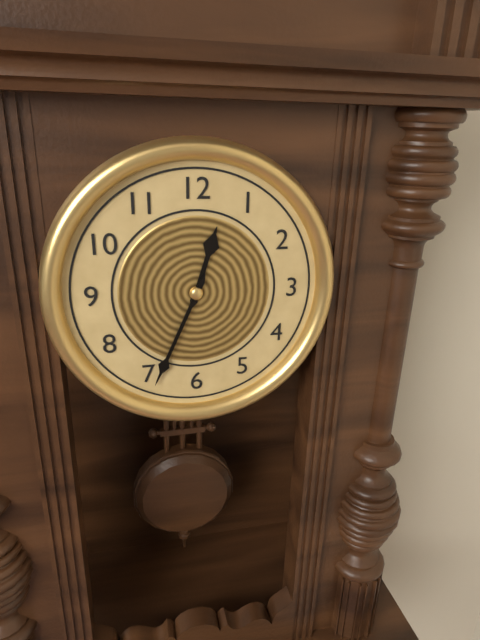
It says 12:34
